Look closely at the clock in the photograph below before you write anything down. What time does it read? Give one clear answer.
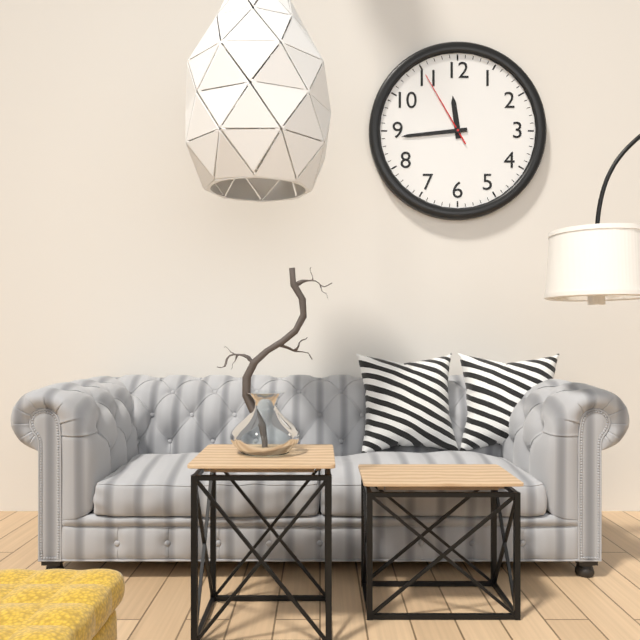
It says 11:44:55
